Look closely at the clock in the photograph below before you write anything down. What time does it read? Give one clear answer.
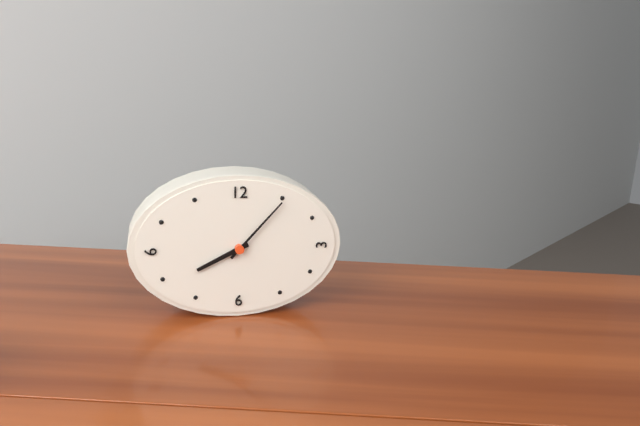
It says 8:07
